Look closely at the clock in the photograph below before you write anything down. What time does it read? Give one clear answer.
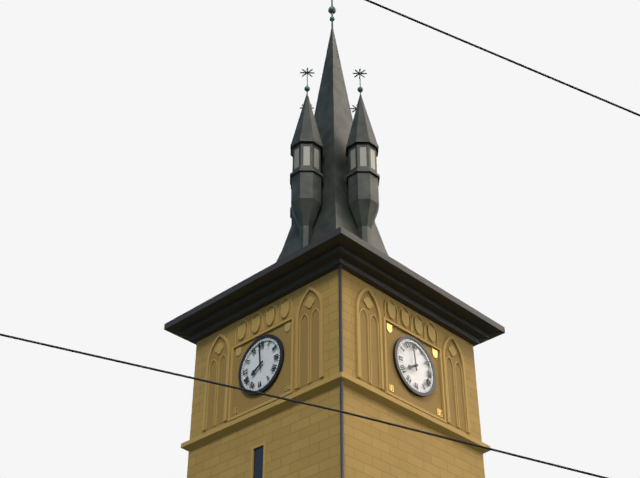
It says 7:59
